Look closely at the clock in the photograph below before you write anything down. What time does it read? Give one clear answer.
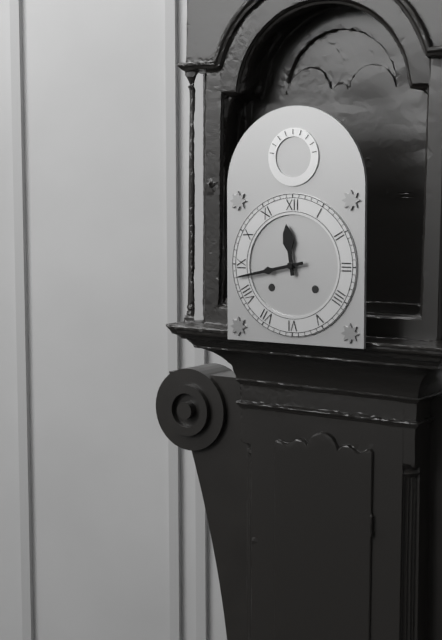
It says 11:43
